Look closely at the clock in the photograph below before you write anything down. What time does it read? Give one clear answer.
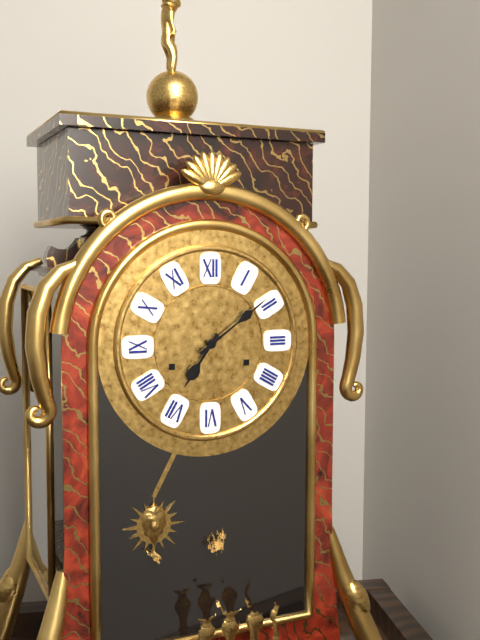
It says 7:09
